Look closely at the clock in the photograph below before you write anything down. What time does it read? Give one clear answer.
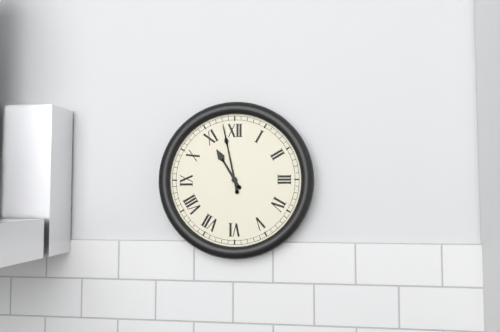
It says 10:58
